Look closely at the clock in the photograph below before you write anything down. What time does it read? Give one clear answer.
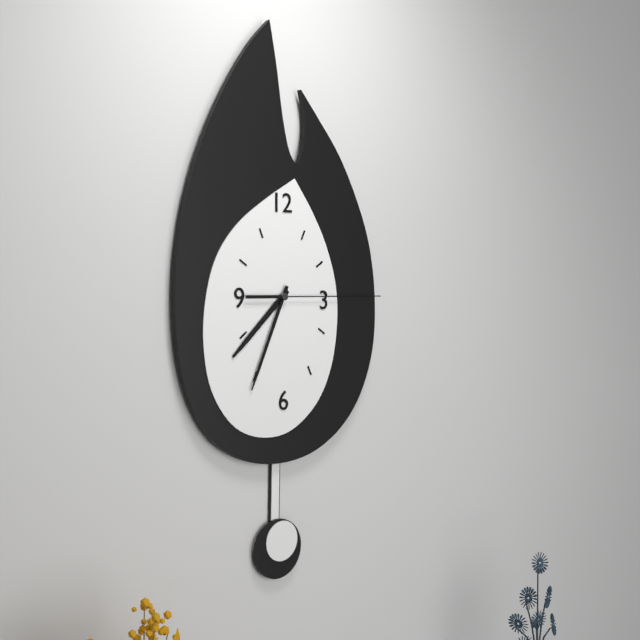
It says 7:34:15
